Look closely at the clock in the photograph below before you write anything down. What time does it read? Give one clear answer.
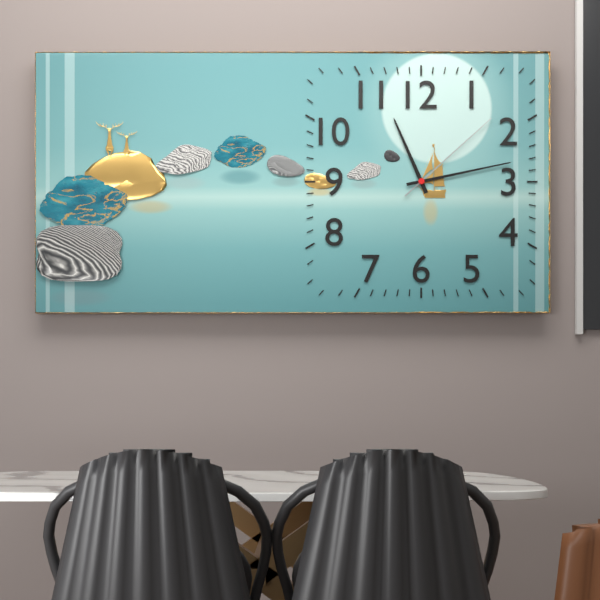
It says 11:13:08
